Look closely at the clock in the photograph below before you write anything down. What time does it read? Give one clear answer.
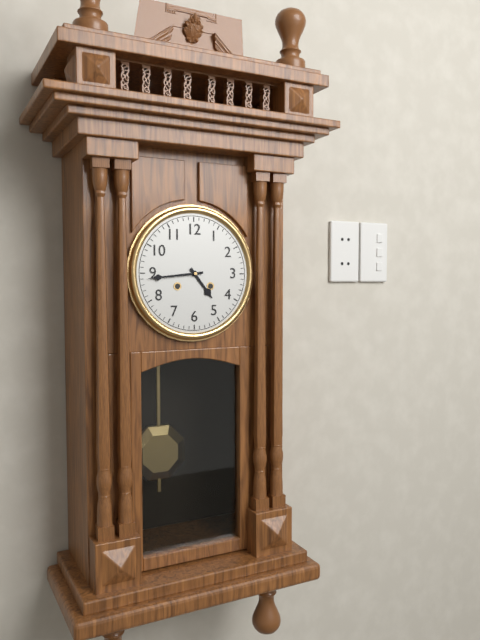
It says 4:44
